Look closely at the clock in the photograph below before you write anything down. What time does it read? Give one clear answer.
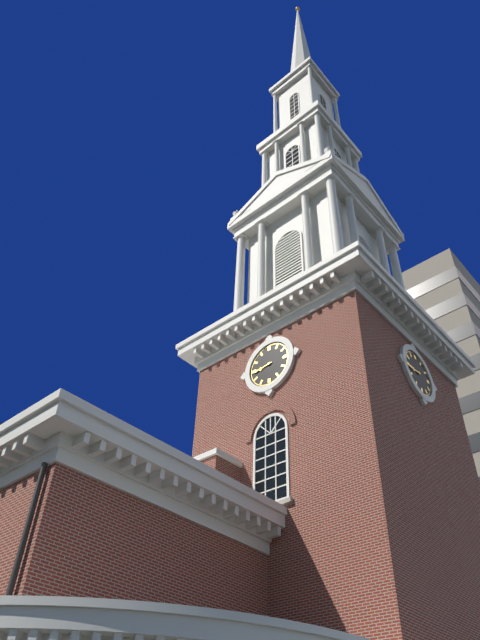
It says 8:44
